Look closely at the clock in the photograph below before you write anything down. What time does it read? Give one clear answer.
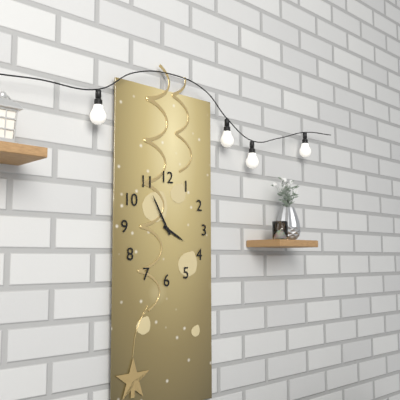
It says 3:55
